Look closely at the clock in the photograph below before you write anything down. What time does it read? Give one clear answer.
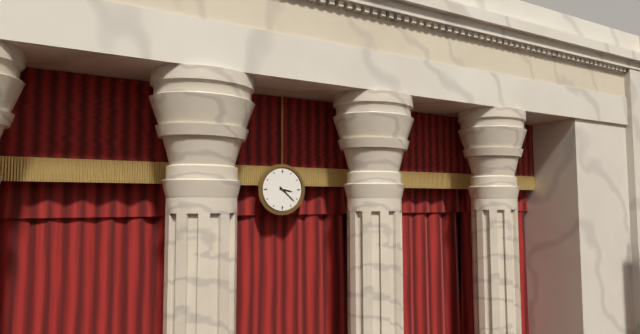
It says 3:22
